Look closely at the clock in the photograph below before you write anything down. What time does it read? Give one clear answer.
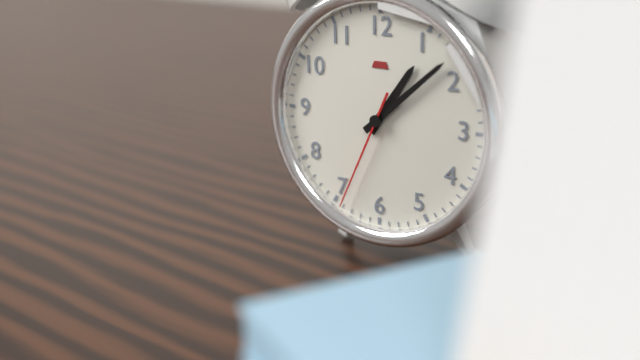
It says 1:08:34
